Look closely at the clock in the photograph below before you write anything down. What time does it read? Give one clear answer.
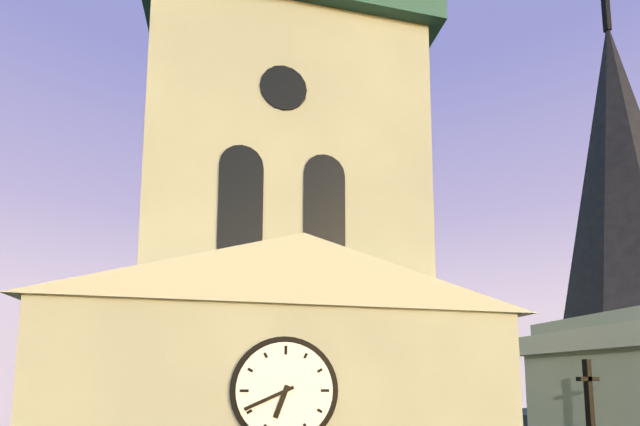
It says 6:41
